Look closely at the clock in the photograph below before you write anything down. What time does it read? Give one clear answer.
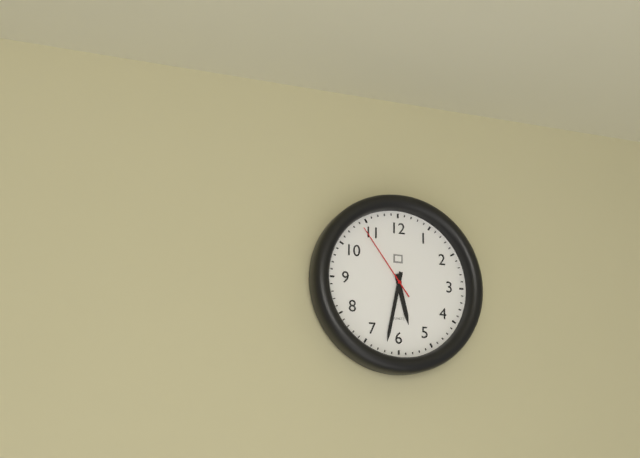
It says 5:32:54
